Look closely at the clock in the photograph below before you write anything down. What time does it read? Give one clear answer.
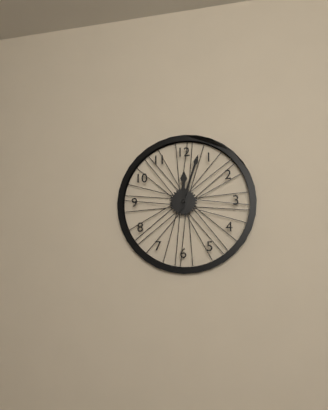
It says 12:03
